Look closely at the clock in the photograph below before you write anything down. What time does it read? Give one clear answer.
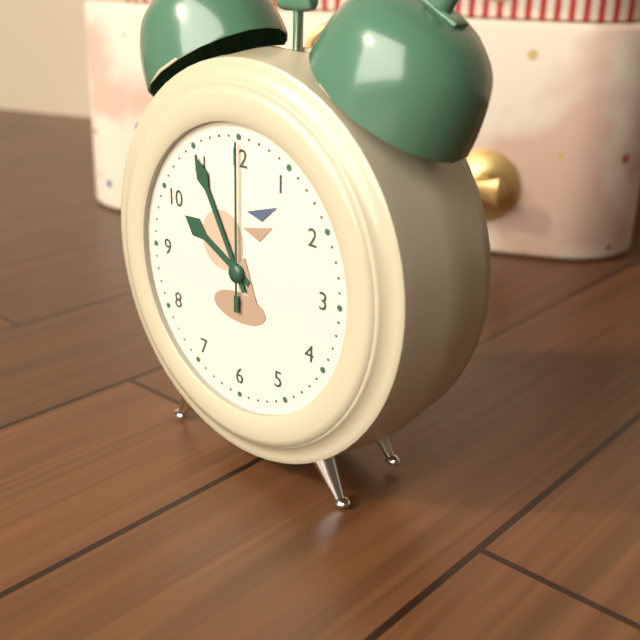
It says 9:55:00
